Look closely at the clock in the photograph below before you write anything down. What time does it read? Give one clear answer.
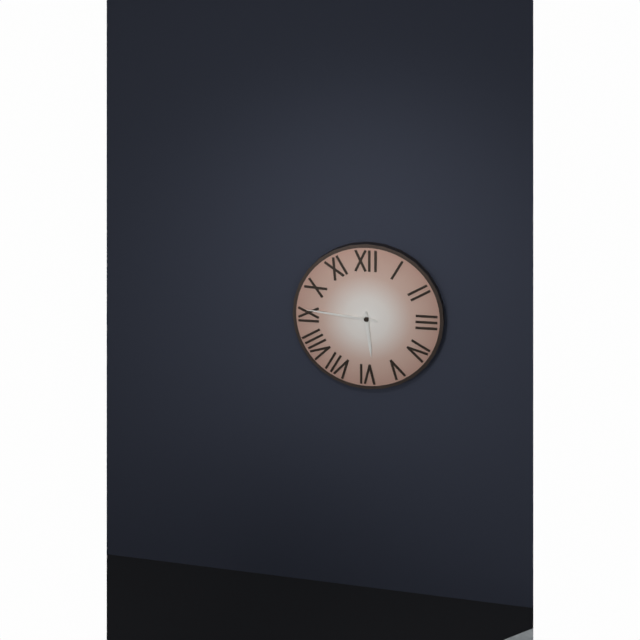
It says 5:46
